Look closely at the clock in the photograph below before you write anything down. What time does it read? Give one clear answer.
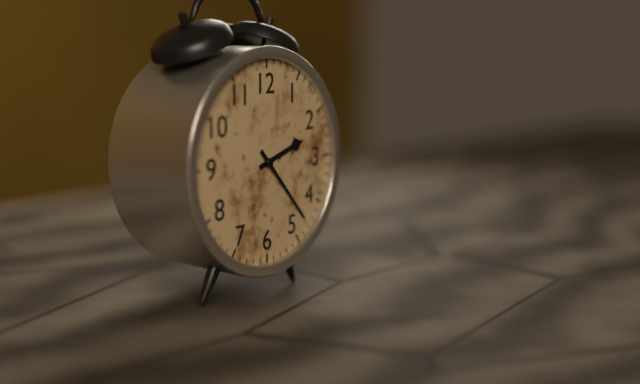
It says 2:23
